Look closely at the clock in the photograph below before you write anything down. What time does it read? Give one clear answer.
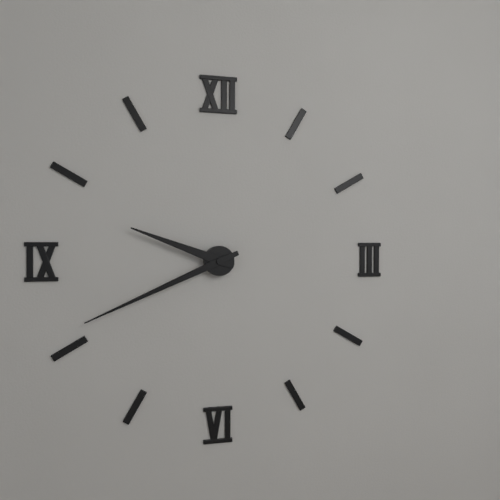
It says 9:41
